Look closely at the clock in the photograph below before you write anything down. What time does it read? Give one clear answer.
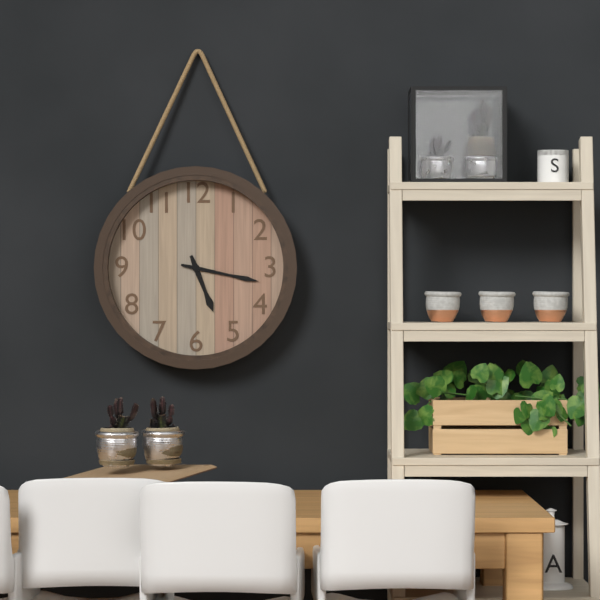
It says 5:17
